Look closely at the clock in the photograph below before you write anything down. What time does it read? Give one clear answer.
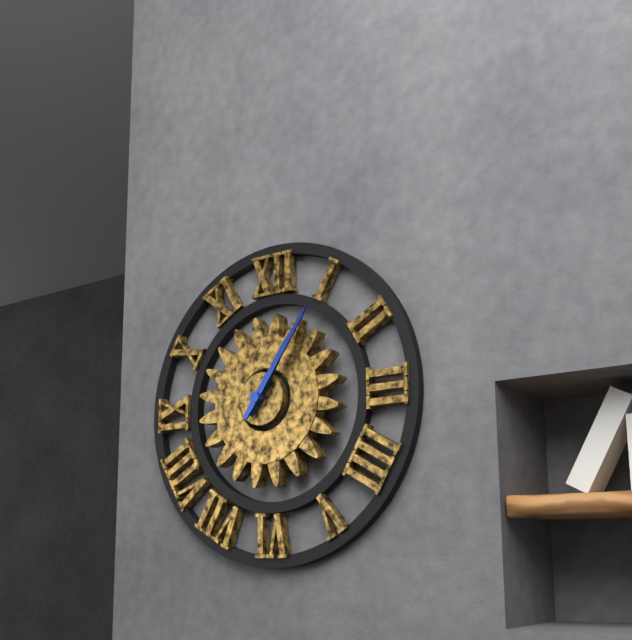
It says 1:06
